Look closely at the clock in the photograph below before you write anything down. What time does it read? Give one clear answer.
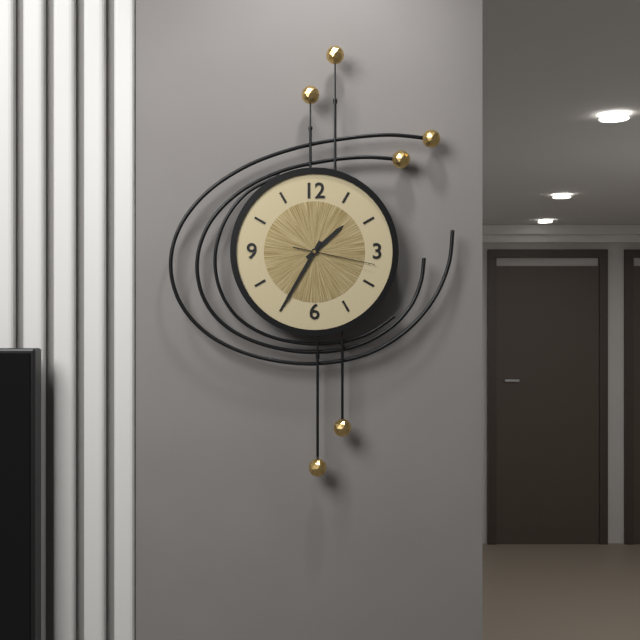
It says 1:35:17
